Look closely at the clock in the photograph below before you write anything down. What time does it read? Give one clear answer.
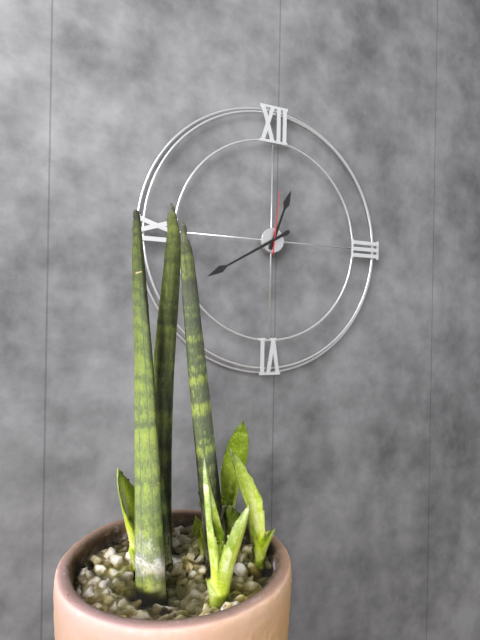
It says 12:40:01
